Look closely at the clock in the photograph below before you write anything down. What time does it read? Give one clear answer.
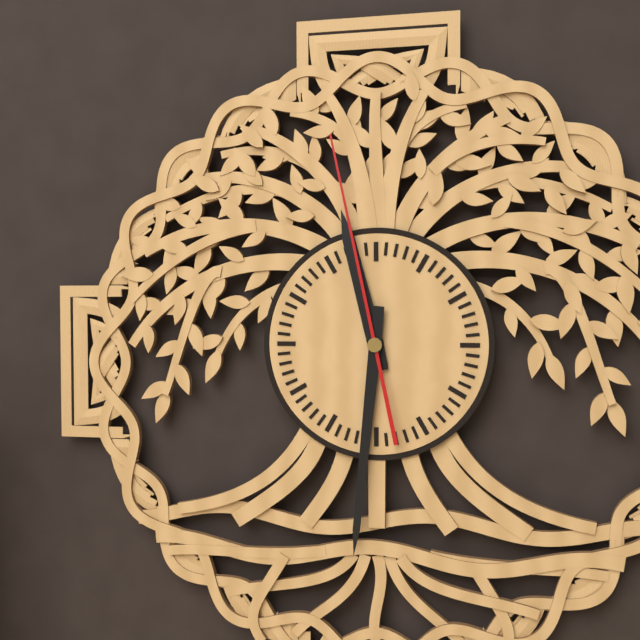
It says 11:31:58
